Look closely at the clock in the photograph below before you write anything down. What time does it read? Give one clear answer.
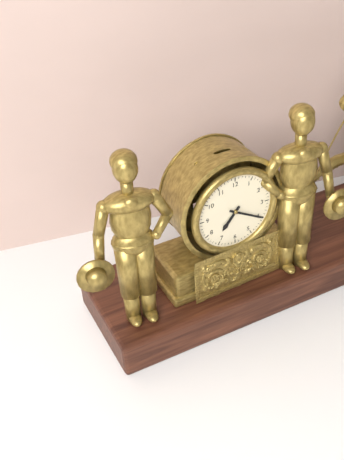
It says 7:20
